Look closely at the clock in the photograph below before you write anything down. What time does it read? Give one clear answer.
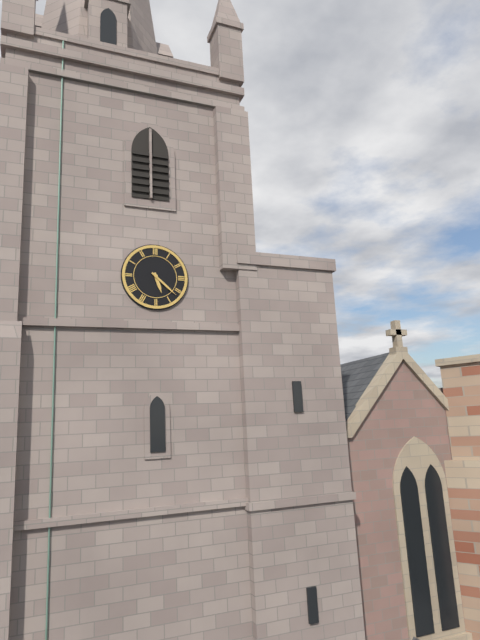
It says 5:22
